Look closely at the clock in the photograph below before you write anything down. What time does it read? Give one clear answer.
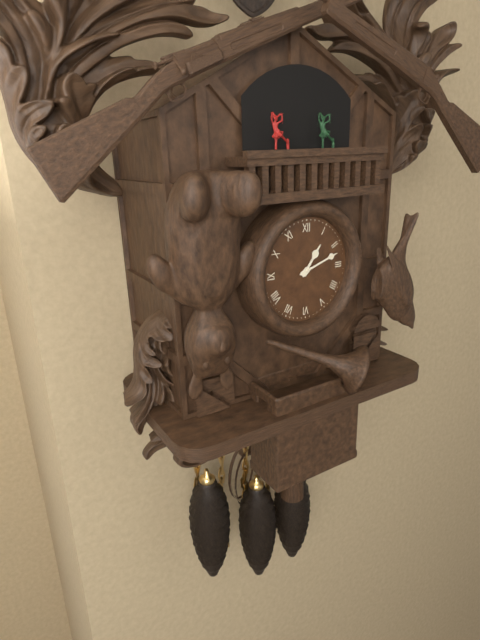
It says 1:12
